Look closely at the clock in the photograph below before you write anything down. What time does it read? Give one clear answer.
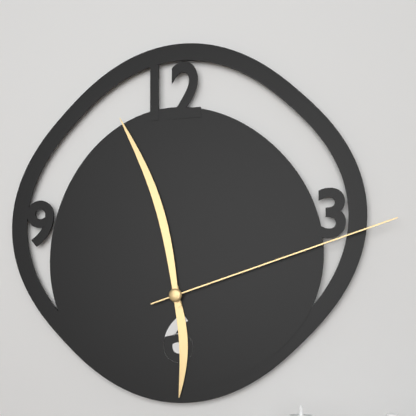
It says 5:57:12
